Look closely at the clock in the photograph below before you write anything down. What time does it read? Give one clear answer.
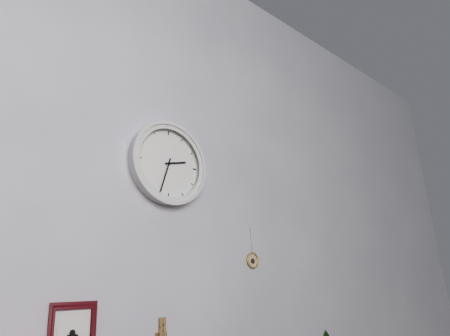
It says 2:33
